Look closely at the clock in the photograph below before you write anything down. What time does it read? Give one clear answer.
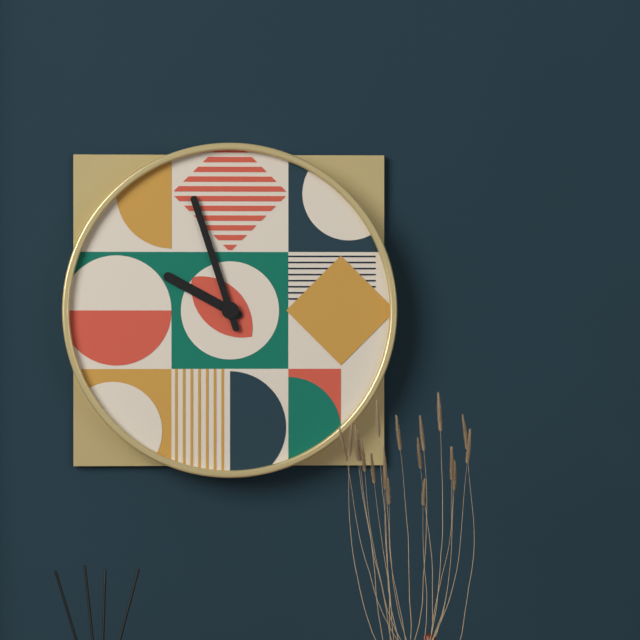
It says 9:57
